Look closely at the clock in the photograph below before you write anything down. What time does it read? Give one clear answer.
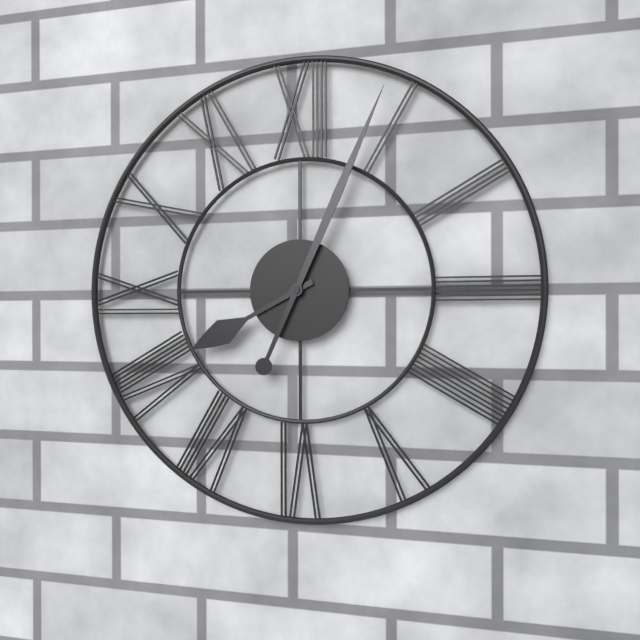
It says 8:04
